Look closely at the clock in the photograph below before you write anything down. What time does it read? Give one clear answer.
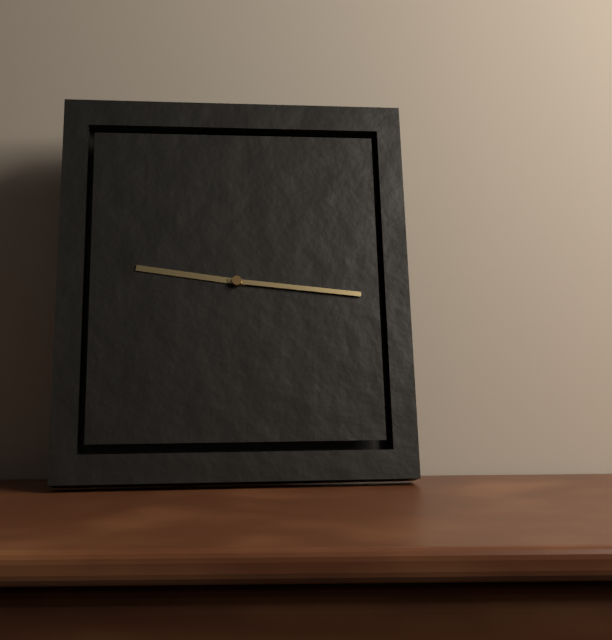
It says 9:16
